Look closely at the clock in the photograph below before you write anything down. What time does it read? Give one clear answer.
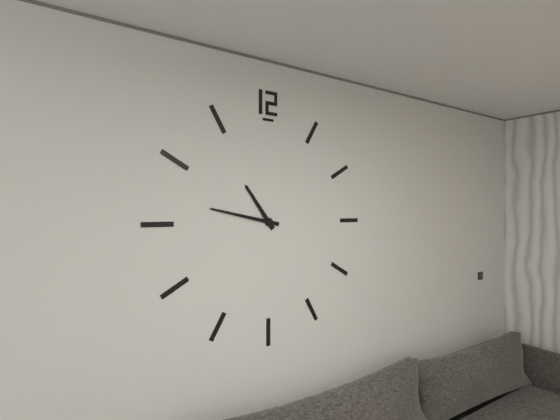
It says 10:47
